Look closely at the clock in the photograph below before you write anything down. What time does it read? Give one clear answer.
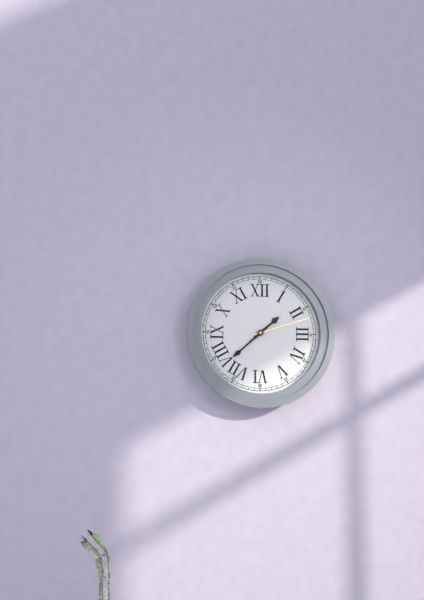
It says 1:38:12
